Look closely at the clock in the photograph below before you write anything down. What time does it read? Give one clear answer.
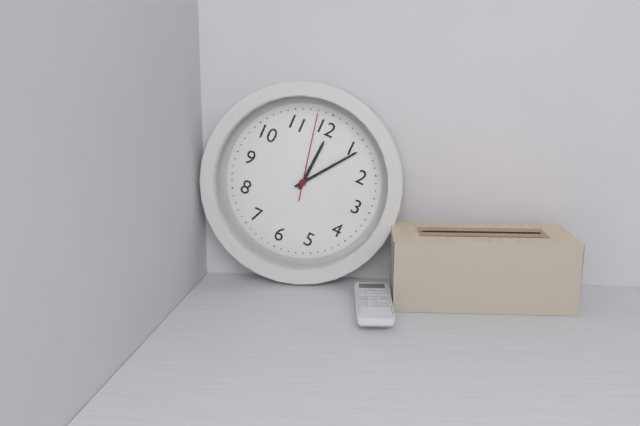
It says 12:06:58
